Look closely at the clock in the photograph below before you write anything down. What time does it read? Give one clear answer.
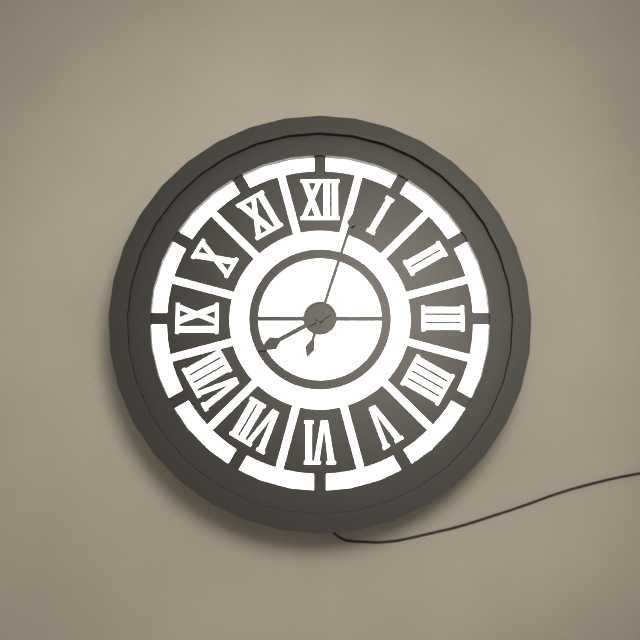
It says 8:03
